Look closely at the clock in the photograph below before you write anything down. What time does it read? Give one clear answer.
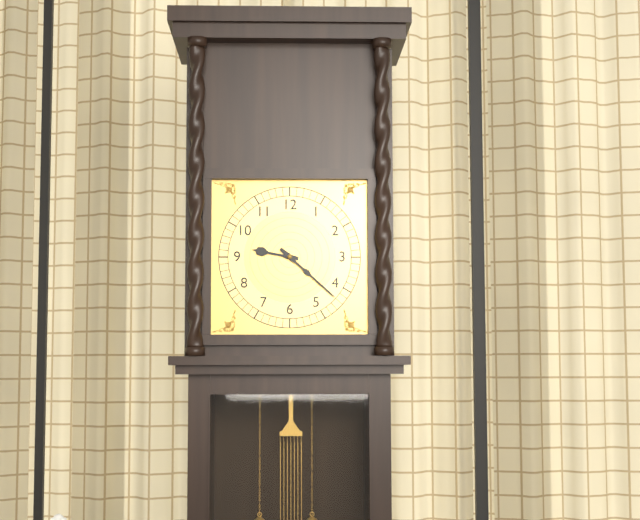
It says 9:22
